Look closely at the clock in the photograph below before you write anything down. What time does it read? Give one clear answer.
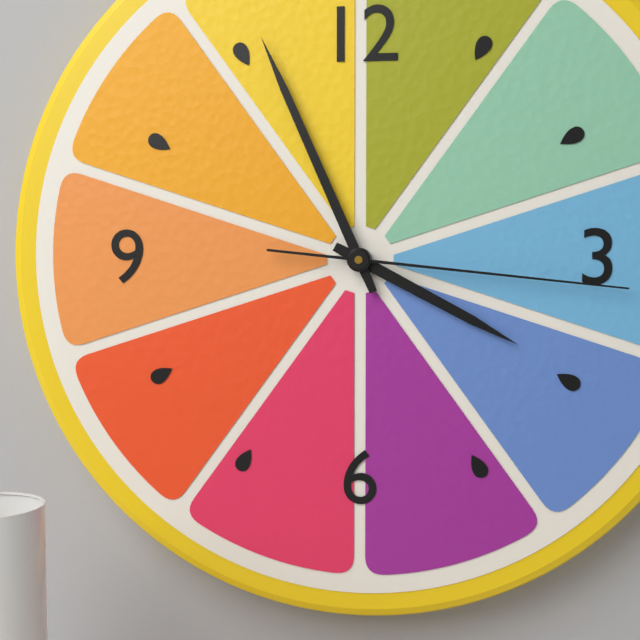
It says 3:56:16
